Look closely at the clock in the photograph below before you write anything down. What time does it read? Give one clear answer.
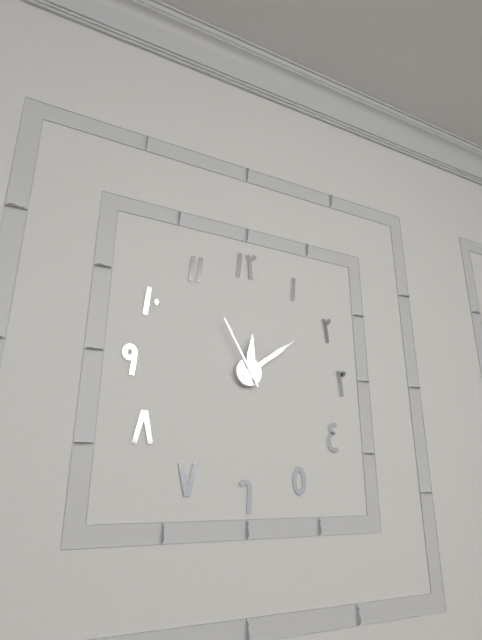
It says 12:09:55
